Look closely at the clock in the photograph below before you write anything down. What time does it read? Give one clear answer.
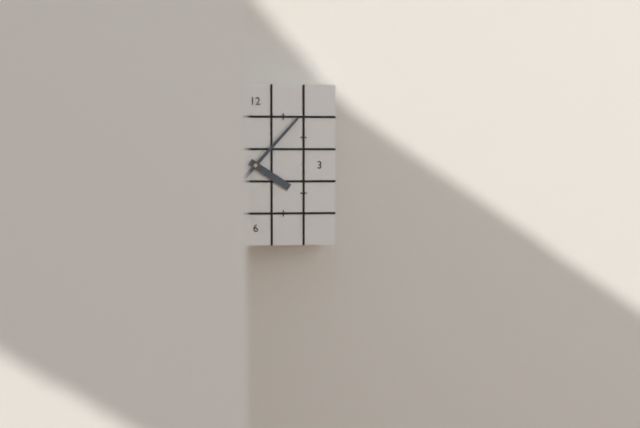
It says 4:07
